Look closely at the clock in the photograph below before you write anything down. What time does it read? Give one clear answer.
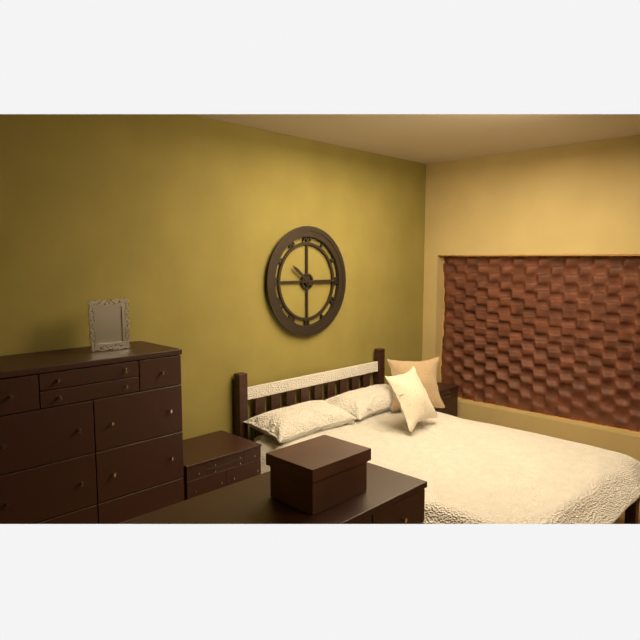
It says 10:15
